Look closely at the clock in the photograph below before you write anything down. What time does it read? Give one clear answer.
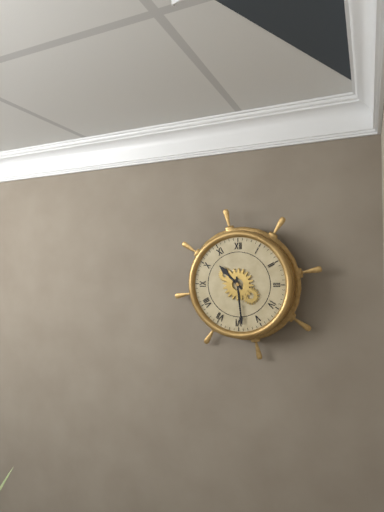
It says 10:29
